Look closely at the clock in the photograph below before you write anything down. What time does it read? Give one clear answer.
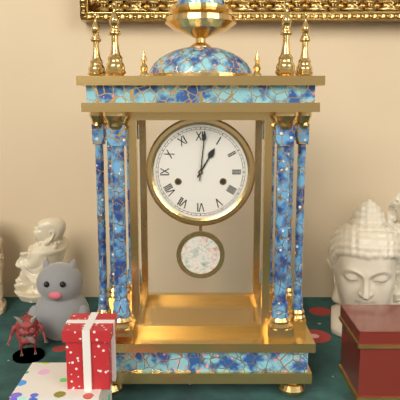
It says 1:01
